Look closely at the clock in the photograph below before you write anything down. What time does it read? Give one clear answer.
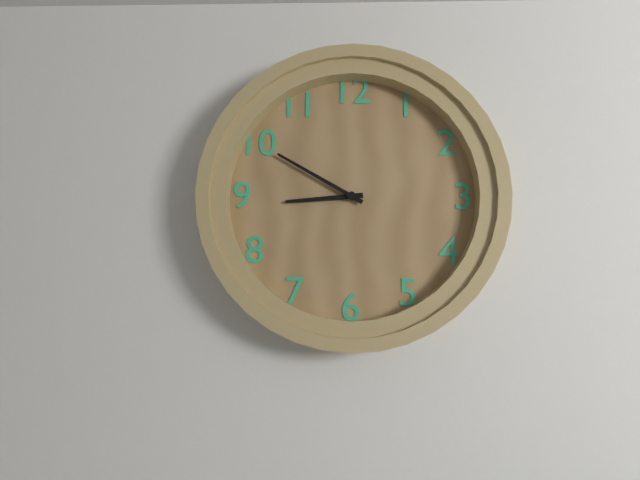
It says 8:50
